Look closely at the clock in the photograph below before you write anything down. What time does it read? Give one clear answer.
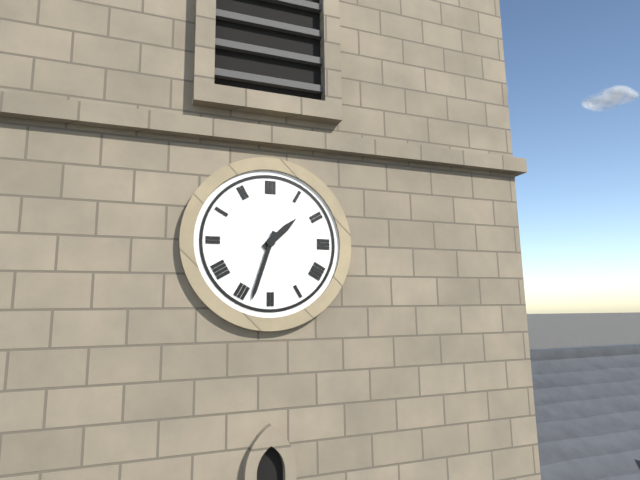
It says 1:33
